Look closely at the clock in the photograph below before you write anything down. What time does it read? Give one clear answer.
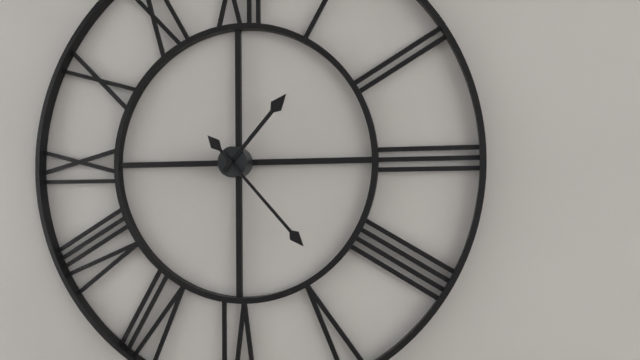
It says 1:23
